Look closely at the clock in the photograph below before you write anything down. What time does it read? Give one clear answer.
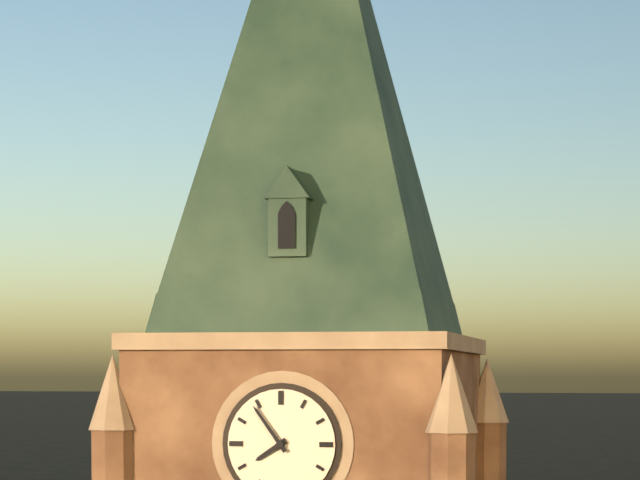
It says 7:54
